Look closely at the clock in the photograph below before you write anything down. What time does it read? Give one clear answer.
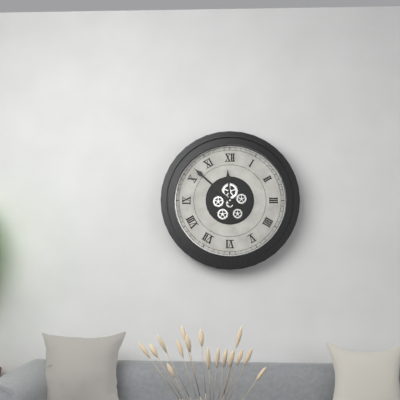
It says 11:52
